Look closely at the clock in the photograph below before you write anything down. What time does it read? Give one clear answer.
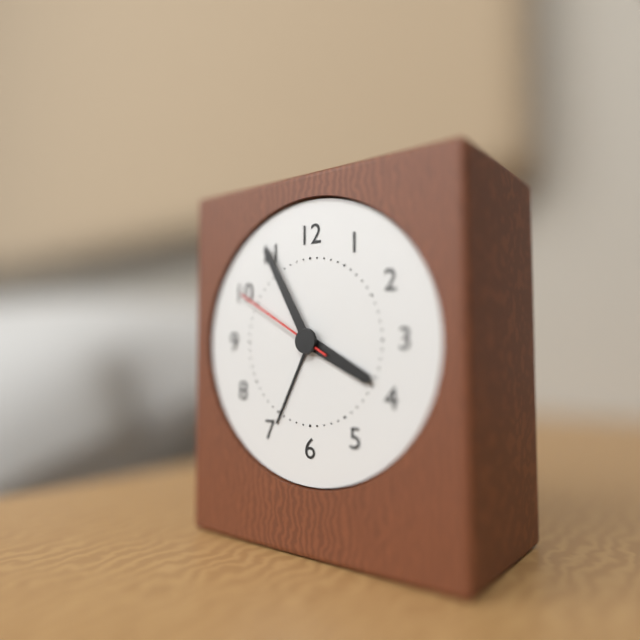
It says 3:55:50
